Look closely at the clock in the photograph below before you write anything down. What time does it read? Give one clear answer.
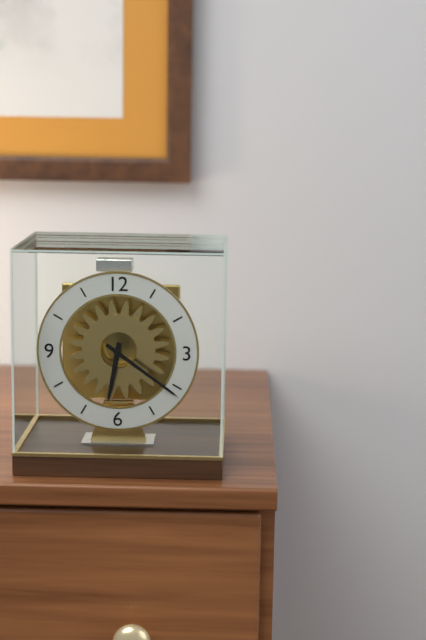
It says 6:21
